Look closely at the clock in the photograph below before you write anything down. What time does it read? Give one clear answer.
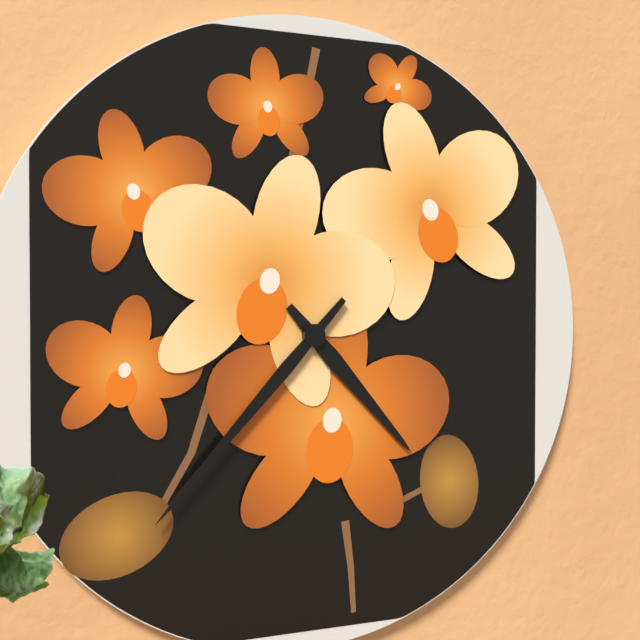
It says 4:37
